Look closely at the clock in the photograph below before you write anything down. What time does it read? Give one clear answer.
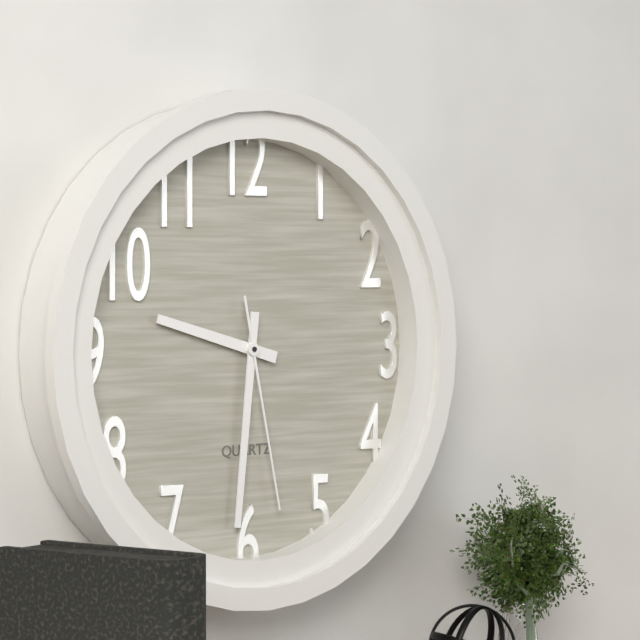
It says 9:31:28
